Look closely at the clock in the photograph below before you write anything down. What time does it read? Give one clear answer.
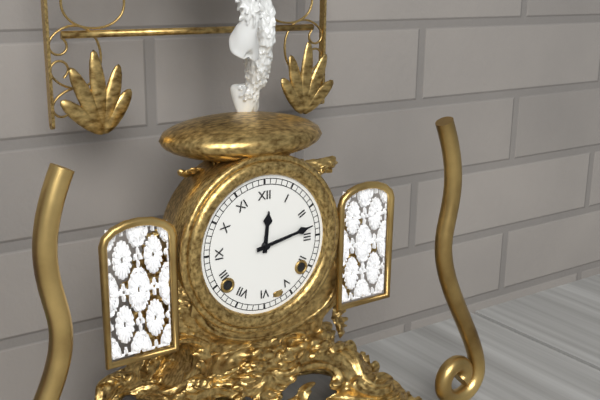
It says 12:13
